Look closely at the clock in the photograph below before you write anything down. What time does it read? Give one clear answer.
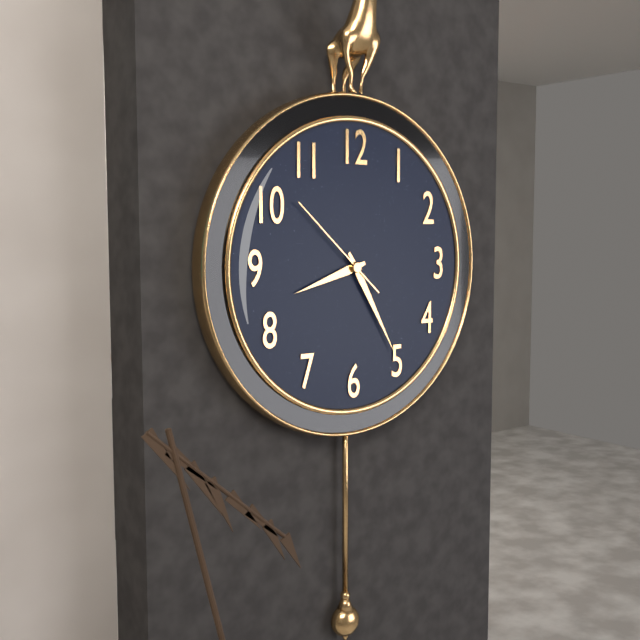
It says 8:25:52
